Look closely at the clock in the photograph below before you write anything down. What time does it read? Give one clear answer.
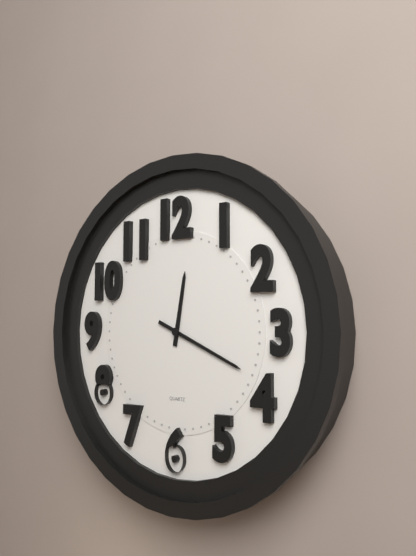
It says 12:19
